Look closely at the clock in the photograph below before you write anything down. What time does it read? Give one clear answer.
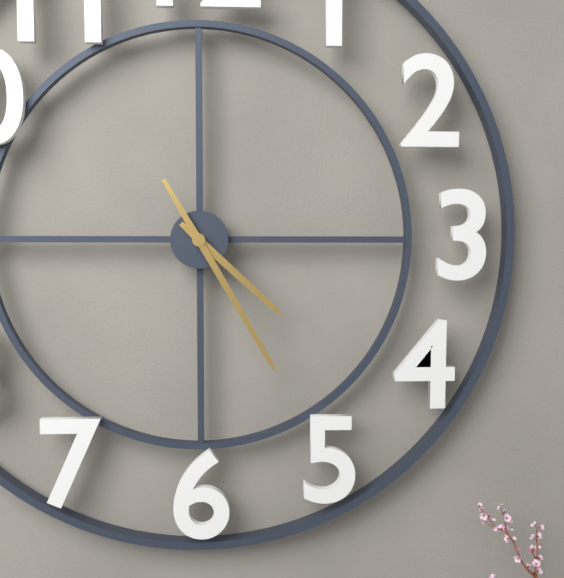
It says 4:25
